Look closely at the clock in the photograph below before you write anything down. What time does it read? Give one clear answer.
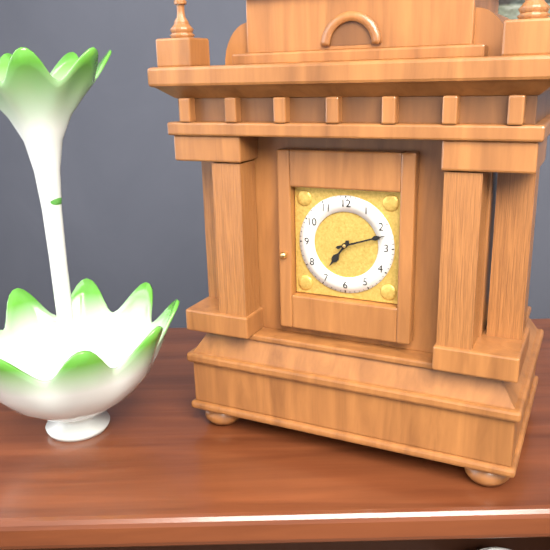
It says 7:12
